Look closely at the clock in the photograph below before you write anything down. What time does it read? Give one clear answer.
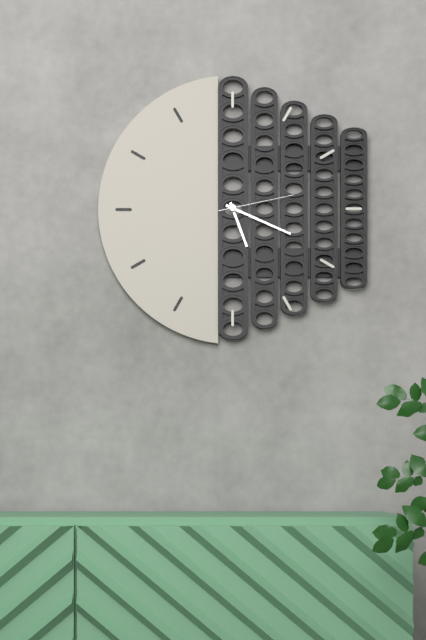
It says 5:19:13
